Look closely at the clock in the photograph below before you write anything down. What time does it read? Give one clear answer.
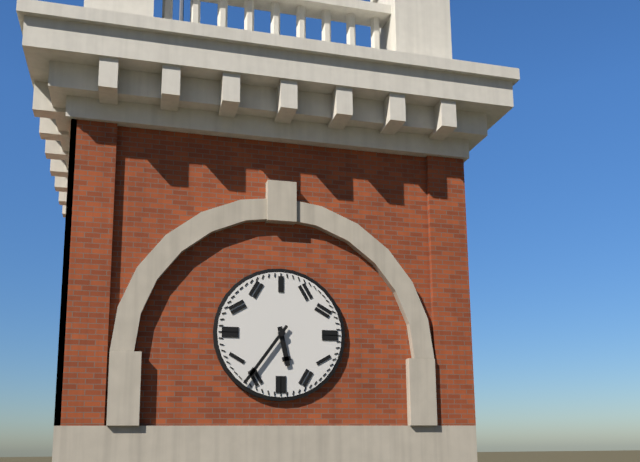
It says 5:36
